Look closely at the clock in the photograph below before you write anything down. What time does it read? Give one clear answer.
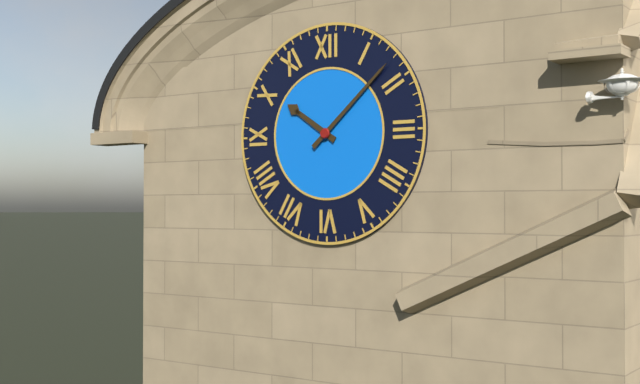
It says 10:08
